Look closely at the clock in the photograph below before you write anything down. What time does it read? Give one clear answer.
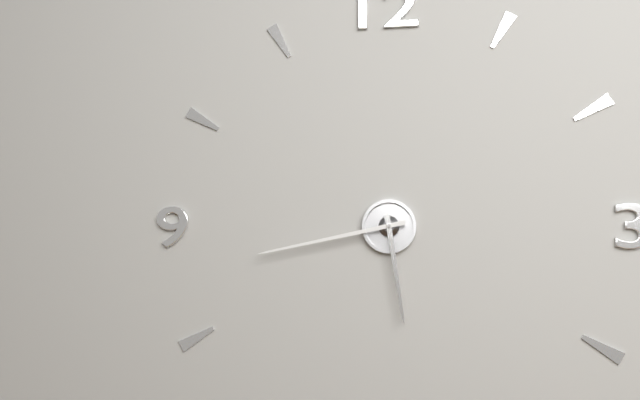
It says 5:43
